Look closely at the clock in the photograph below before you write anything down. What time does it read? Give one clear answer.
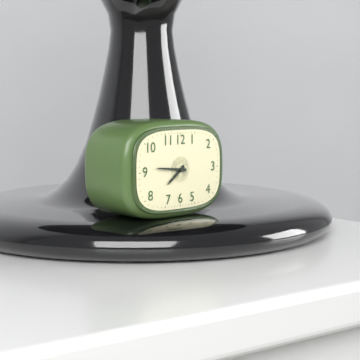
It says 7:46
